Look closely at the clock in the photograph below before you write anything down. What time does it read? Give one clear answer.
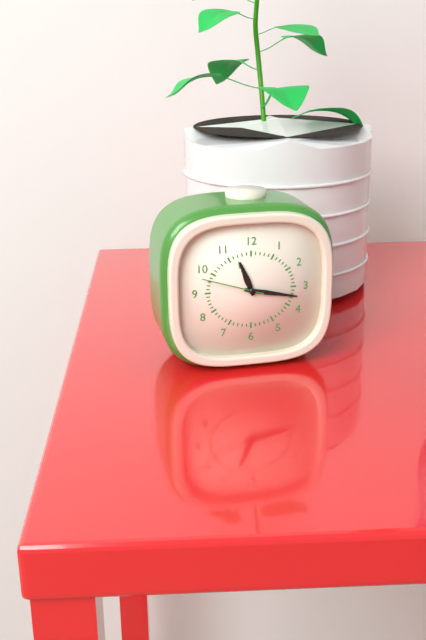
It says 11:17:48
